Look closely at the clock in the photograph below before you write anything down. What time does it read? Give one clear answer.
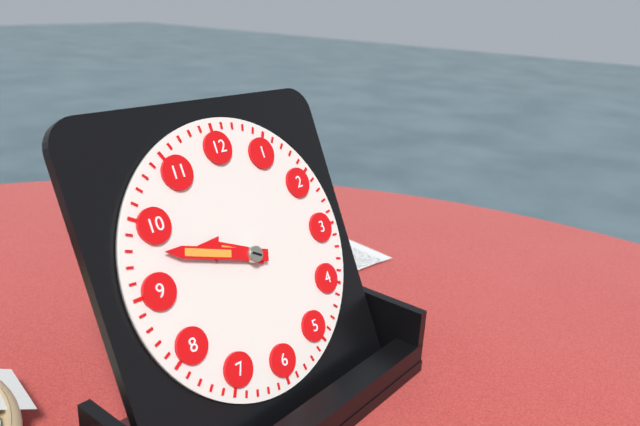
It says 9:48
